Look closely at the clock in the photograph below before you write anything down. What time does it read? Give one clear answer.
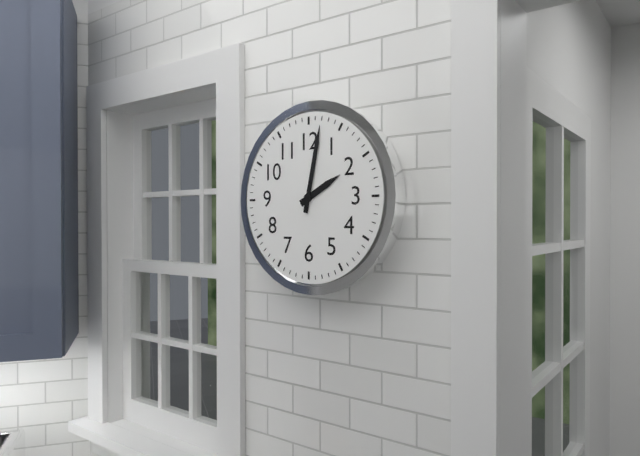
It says 2:02
